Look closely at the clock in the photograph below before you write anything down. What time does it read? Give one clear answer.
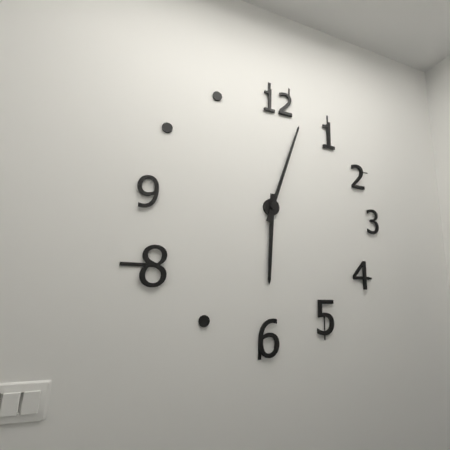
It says 6:03
